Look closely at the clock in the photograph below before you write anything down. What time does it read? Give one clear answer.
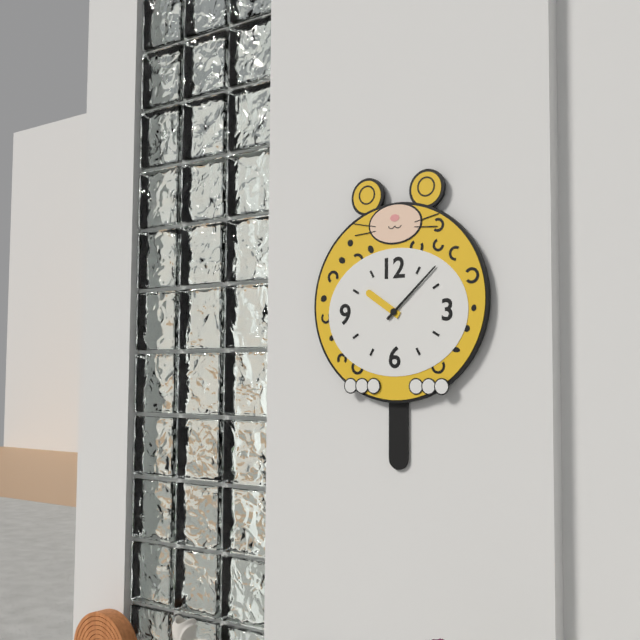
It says 10:08
